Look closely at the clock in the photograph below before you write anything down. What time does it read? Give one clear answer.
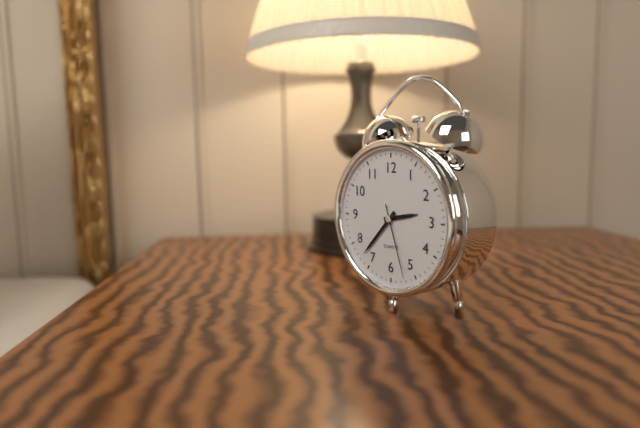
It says 2:37:27
